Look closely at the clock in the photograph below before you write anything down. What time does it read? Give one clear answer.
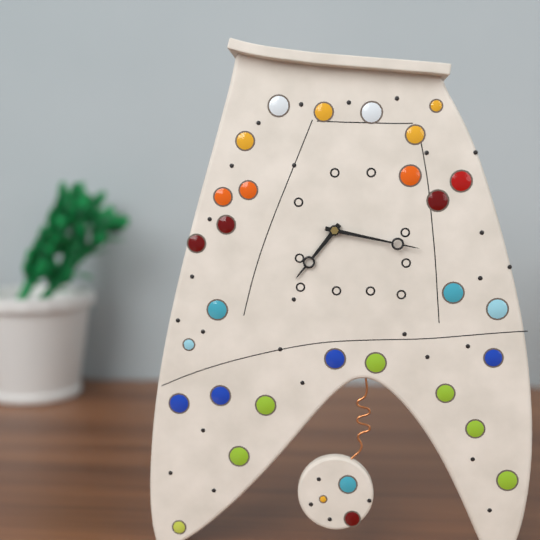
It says 7:17
